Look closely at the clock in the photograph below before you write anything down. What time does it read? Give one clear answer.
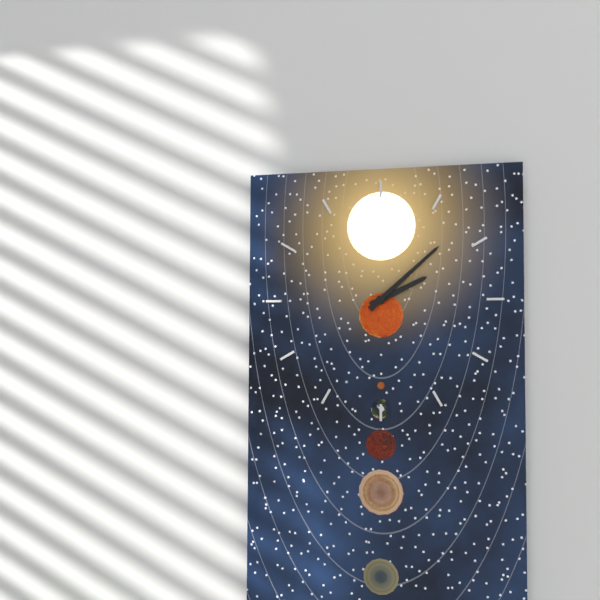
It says 2:08
